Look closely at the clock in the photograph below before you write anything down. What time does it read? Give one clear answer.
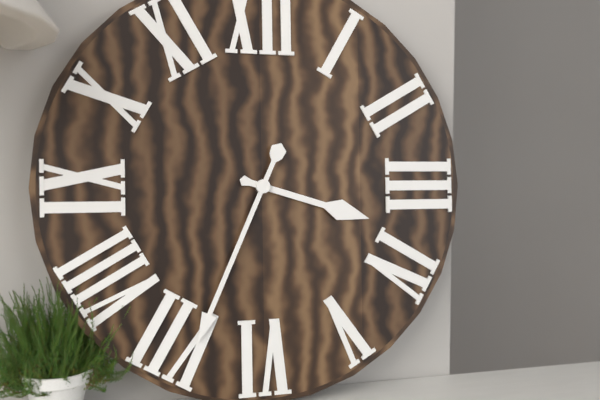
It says 3:34
